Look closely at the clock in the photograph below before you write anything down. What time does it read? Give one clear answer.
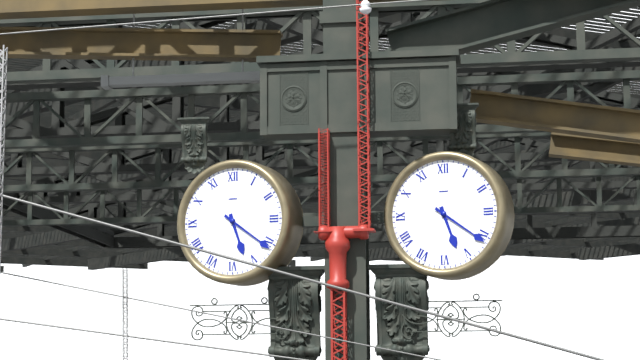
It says 5:21
